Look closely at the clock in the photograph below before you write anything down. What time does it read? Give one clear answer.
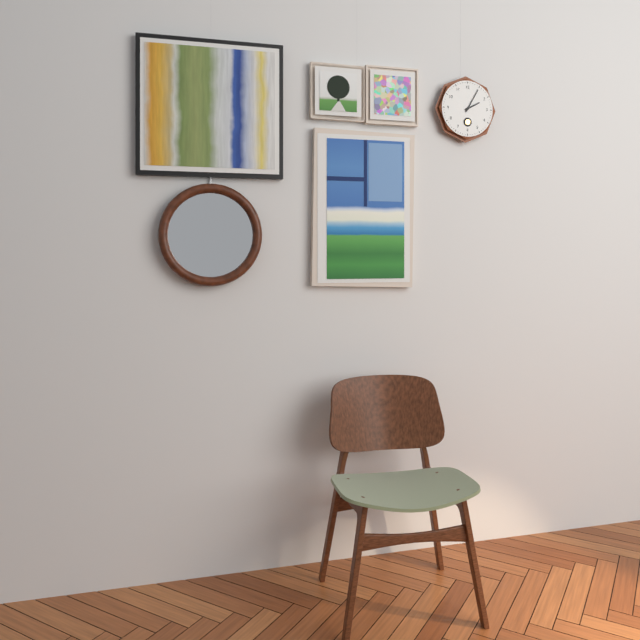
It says 2:05
